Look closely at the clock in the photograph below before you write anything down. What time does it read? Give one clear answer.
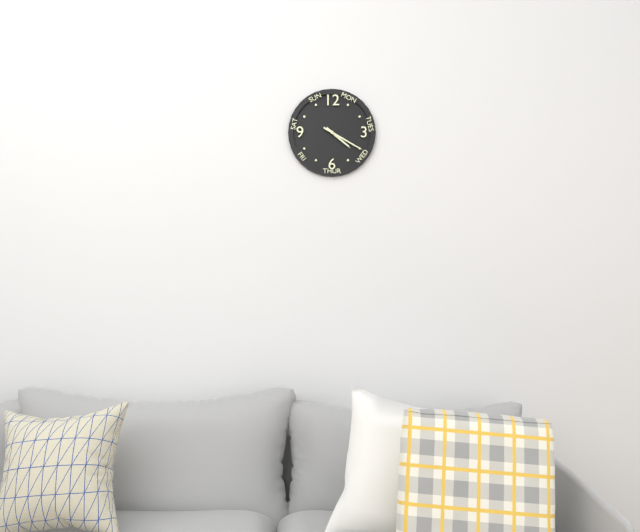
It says 4:20
